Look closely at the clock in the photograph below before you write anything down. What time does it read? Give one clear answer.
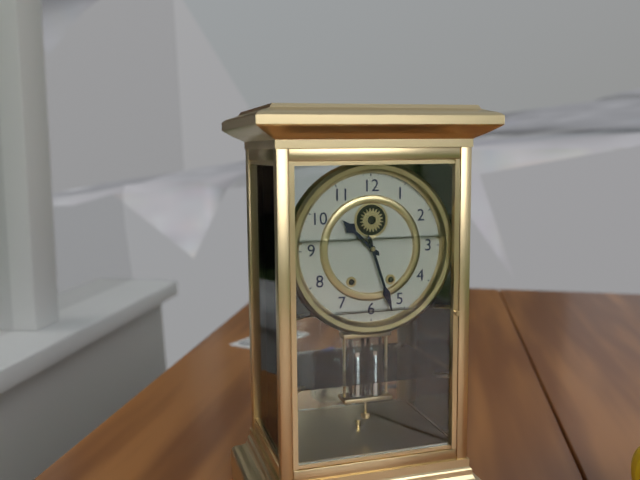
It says 10:27
